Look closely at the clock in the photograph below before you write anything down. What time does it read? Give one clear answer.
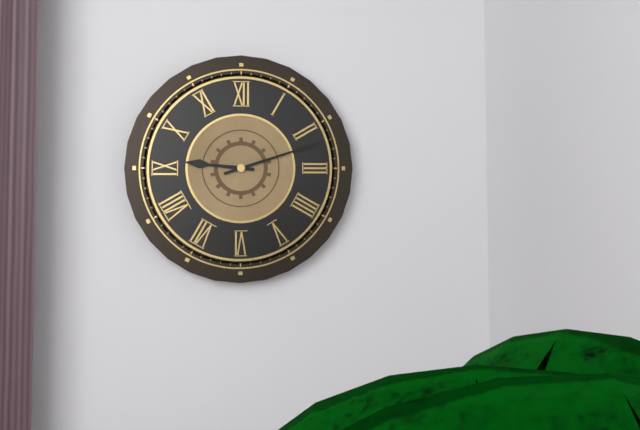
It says 9:12
